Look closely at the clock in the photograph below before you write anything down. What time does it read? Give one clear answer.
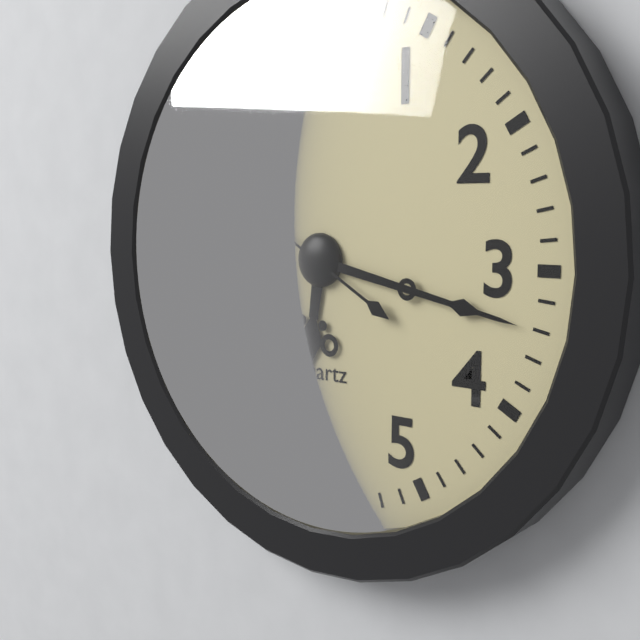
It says 6:17:50
